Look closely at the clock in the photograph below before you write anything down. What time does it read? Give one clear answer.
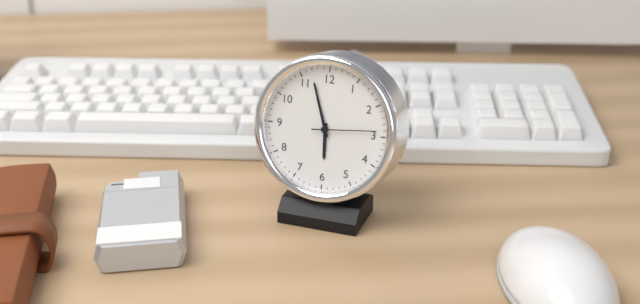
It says 5:57:14
